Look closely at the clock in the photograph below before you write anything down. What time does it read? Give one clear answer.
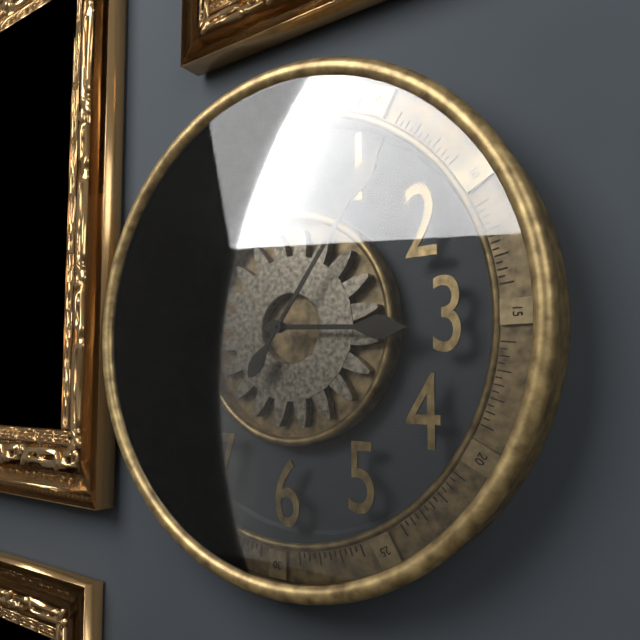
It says 3:06
